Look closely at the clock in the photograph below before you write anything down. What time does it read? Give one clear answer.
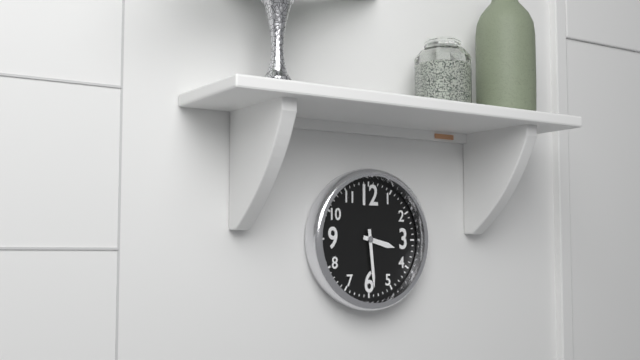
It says 3:29
